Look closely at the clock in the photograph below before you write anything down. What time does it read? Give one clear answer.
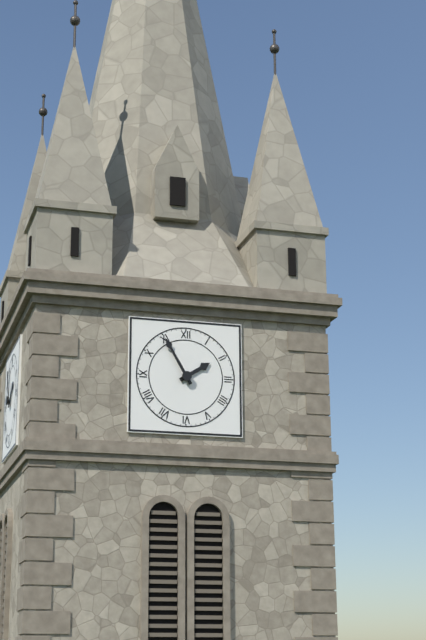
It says 1:55
